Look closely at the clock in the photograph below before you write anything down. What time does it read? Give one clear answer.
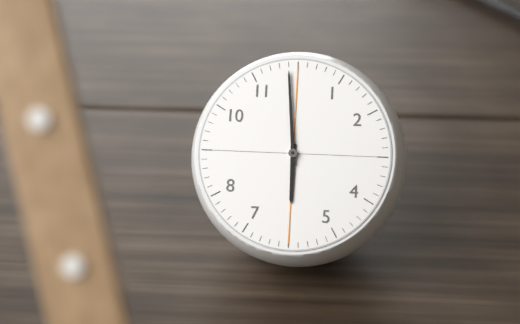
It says 5:59
